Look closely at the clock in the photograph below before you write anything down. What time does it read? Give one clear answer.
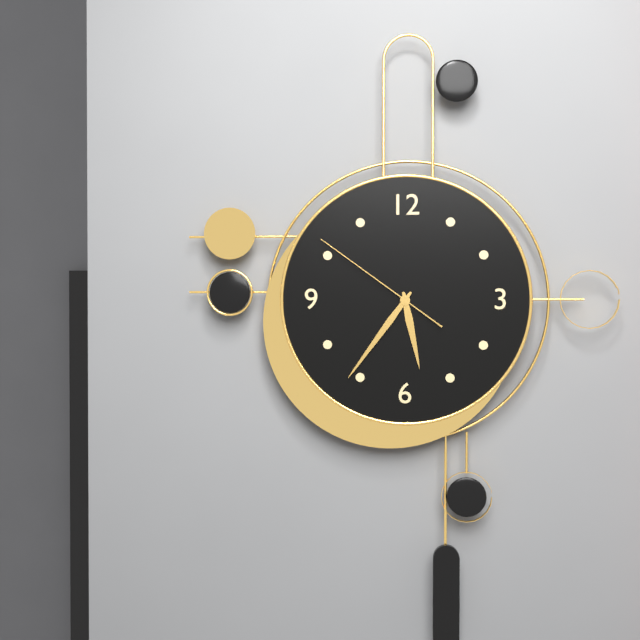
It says 5:36:51
